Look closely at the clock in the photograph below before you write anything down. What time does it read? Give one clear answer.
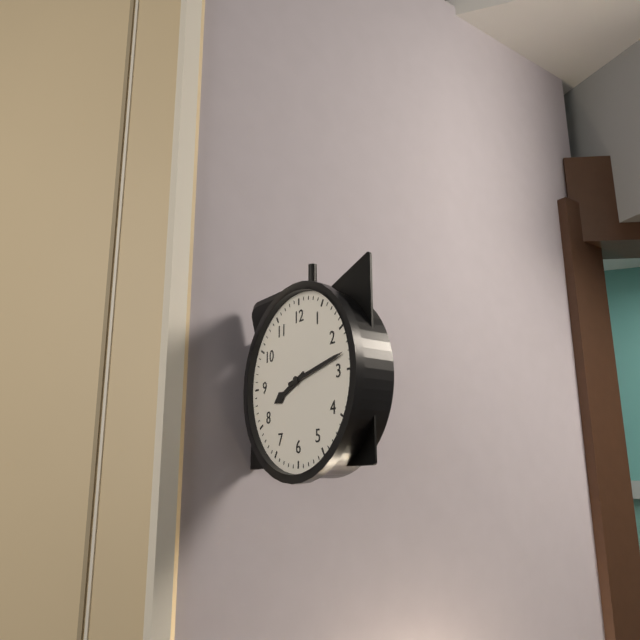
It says 8:13
